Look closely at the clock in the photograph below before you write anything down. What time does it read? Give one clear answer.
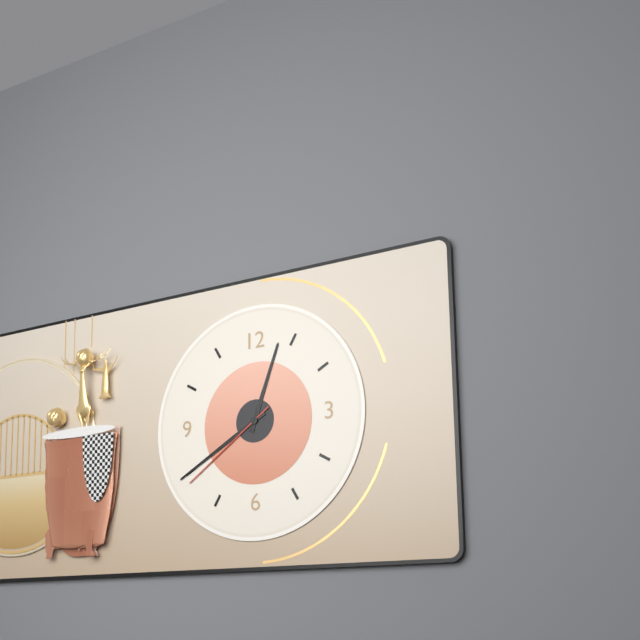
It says 12:40:39
